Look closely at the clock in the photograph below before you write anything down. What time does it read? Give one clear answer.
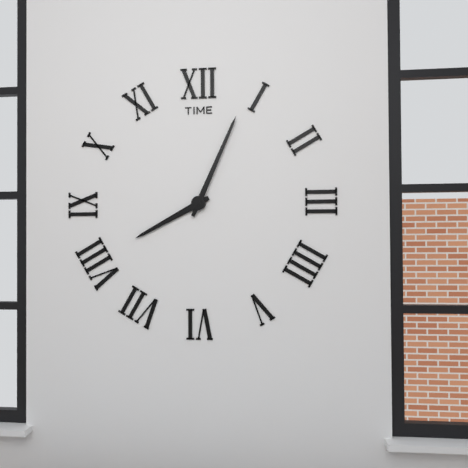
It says 8:04
